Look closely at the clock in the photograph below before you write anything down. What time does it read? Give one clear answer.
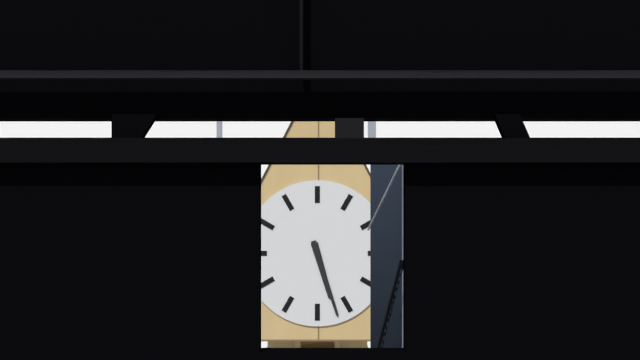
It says 5:27
